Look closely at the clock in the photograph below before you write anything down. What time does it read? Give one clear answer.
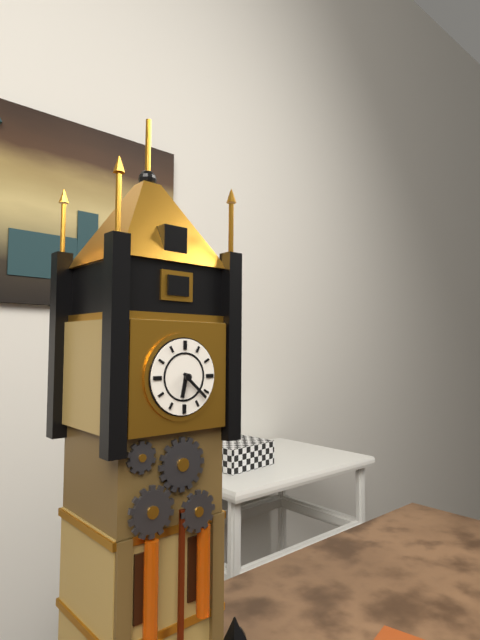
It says 6:22
